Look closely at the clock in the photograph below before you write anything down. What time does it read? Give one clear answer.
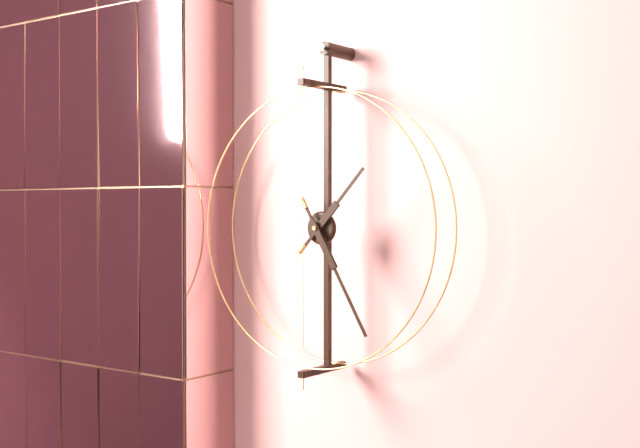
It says 1:25
